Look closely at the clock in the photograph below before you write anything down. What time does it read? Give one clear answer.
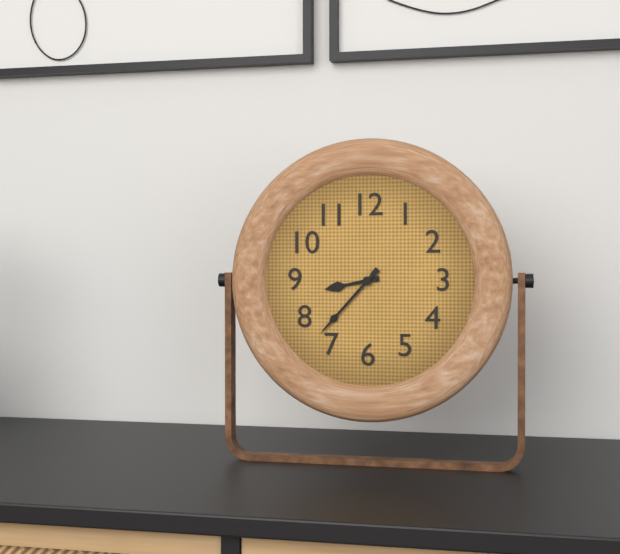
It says 8:37
